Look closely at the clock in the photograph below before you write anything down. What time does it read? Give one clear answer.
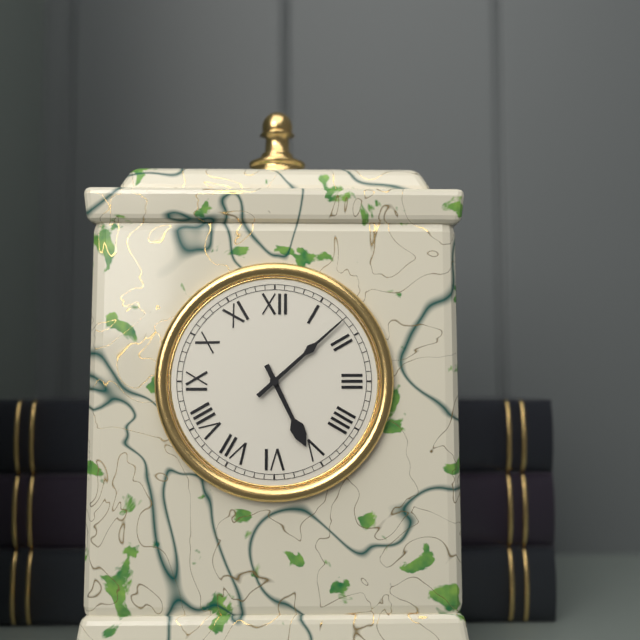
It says 5:08
